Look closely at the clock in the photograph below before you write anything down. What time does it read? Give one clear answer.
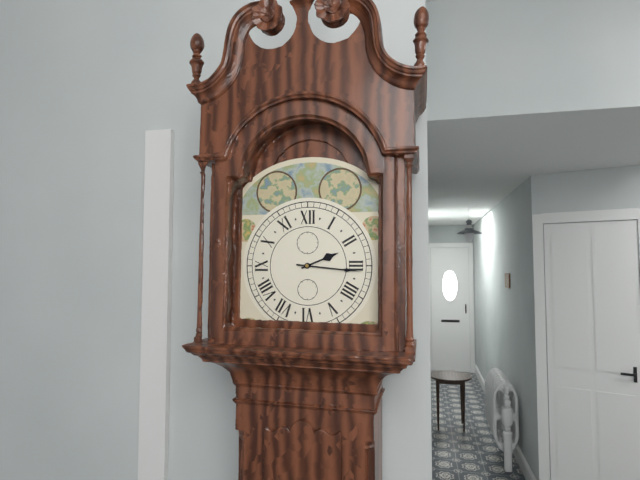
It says 2:16
